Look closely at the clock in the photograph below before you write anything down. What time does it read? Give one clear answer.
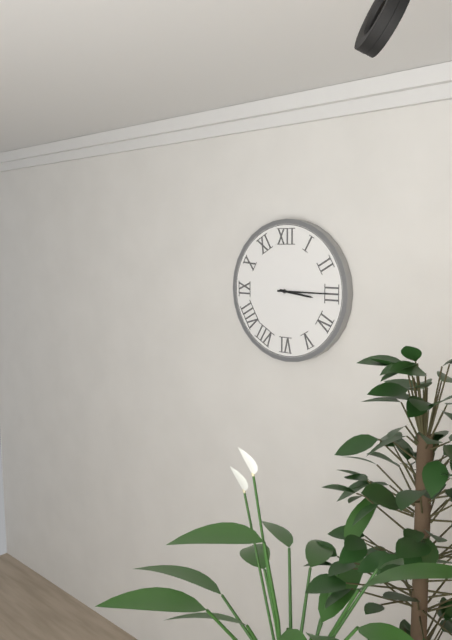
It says 3:15
